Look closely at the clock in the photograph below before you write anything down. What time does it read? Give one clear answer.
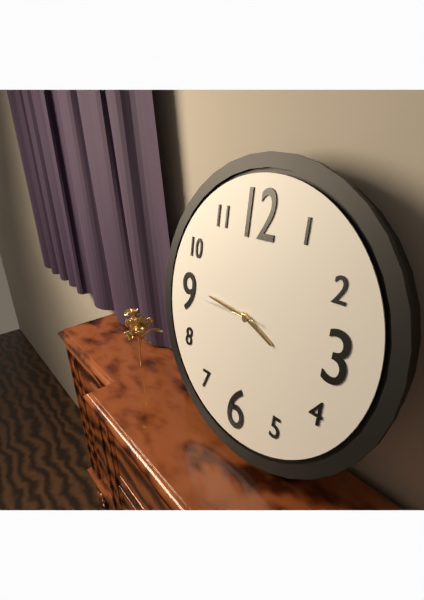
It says 3:46:45
